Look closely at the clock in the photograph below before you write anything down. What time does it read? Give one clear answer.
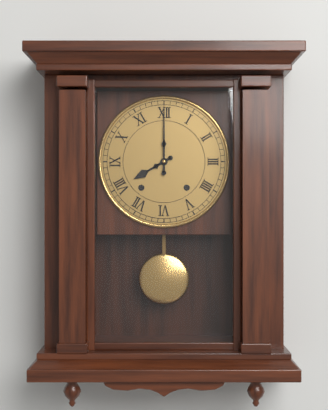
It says 8:00
